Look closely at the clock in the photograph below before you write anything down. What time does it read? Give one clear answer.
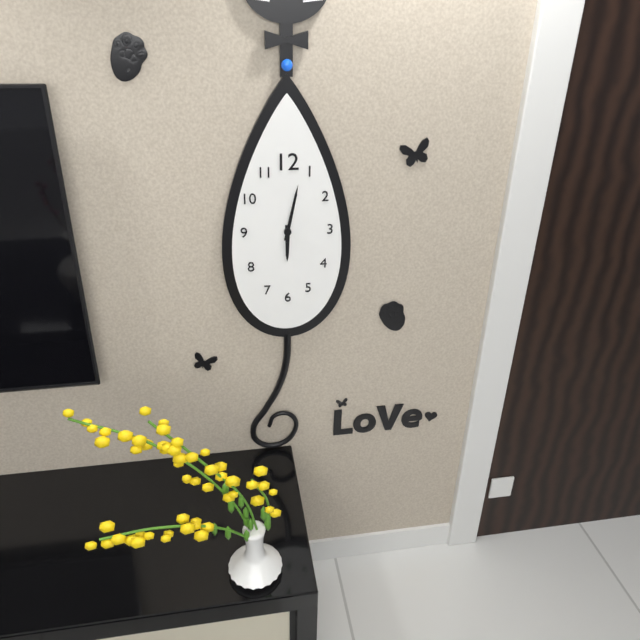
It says 6:02
